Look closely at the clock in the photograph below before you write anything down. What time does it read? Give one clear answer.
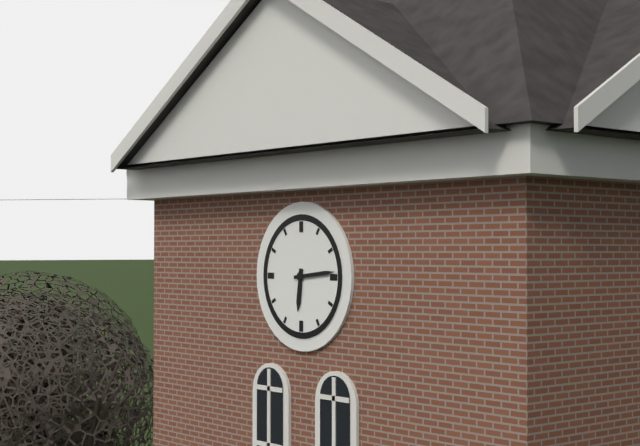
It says 6:14
